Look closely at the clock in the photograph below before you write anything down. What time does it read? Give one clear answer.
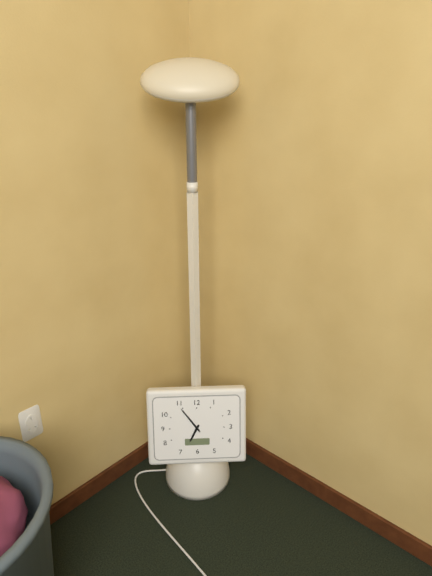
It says 6:54
